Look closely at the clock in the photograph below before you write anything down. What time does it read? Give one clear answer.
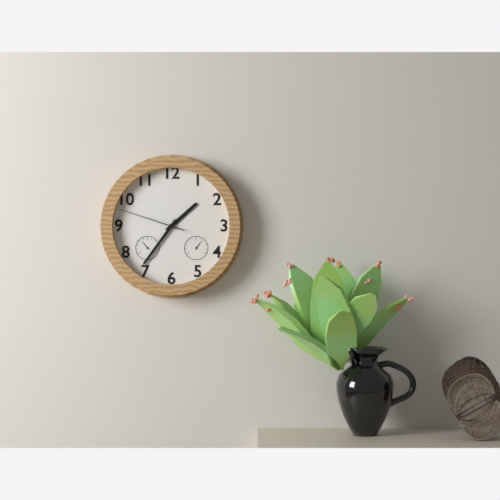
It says 1:36:48
